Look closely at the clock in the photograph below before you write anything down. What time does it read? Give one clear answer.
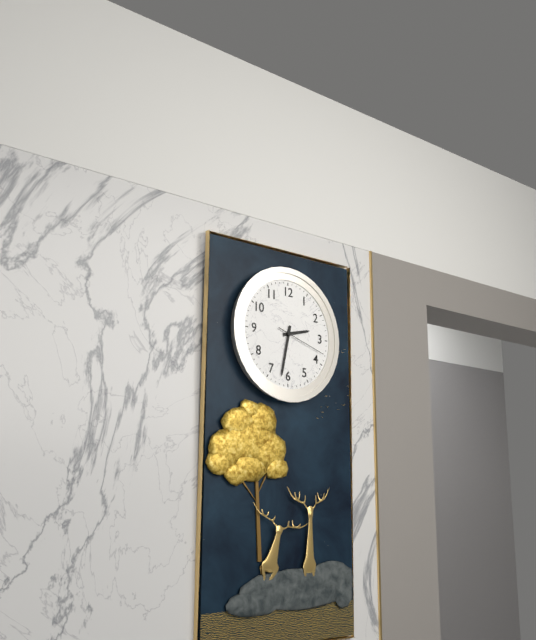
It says 2:32
